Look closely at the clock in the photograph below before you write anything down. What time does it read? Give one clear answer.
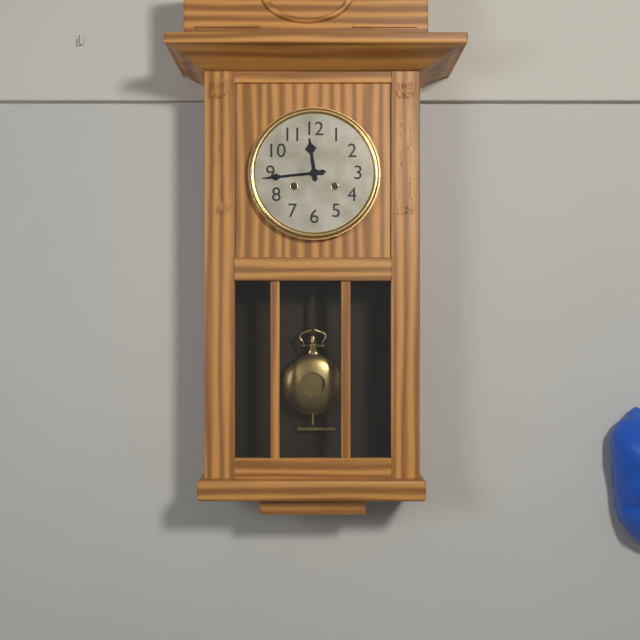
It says 11:44
